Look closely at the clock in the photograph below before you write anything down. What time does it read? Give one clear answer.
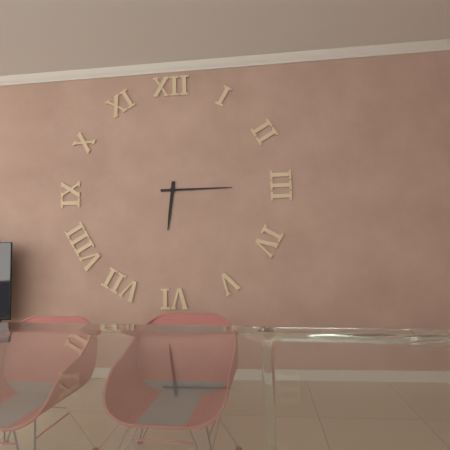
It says 6:15
